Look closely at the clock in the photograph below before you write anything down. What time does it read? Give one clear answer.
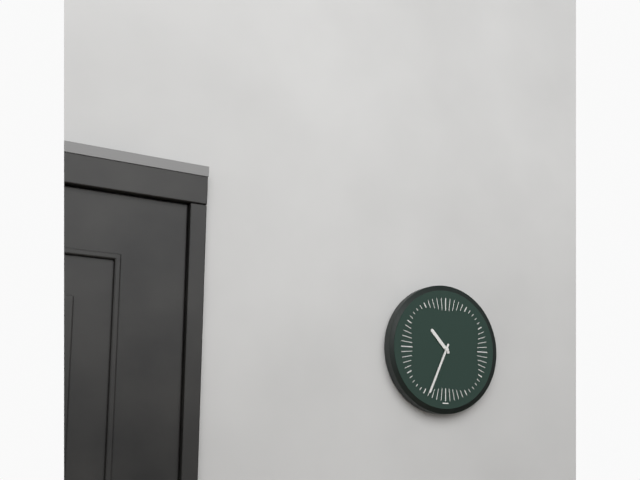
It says 10:34
